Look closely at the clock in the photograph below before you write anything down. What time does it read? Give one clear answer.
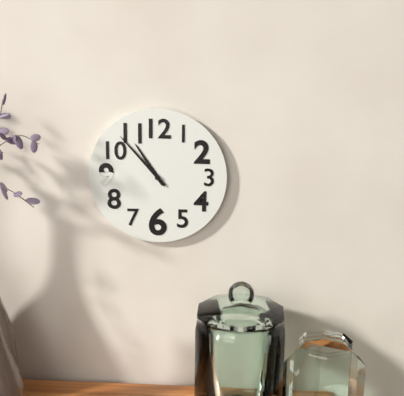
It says 10:53
